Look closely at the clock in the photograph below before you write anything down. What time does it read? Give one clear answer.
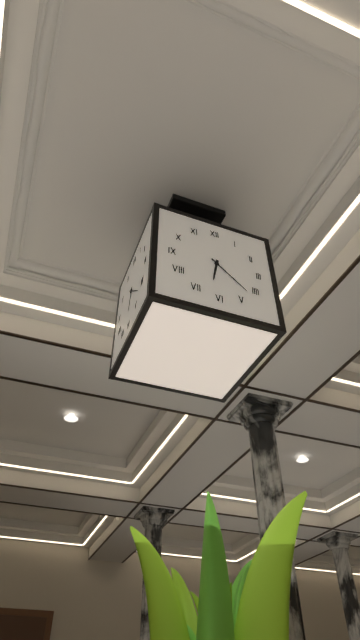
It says 6:22
